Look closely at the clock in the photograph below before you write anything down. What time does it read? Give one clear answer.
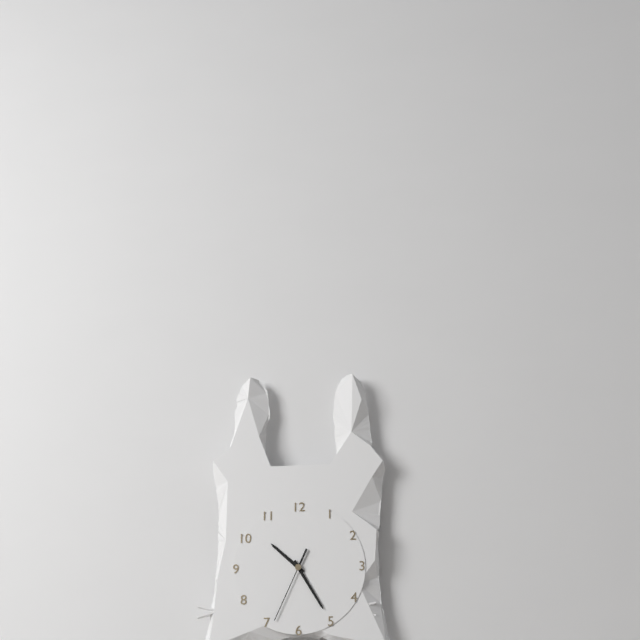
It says 10:25:34
